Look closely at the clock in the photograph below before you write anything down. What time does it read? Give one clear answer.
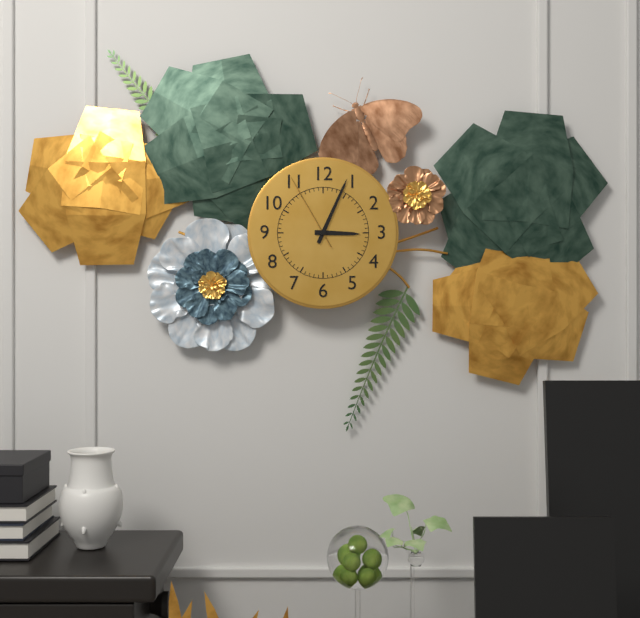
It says 3:04:55
